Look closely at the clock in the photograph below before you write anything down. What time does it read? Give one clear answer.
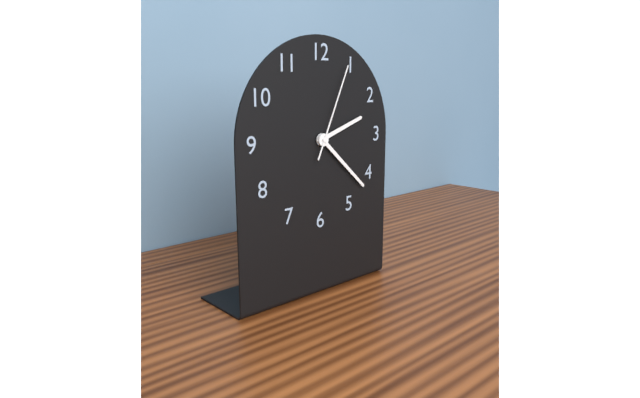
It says 2:22:04
